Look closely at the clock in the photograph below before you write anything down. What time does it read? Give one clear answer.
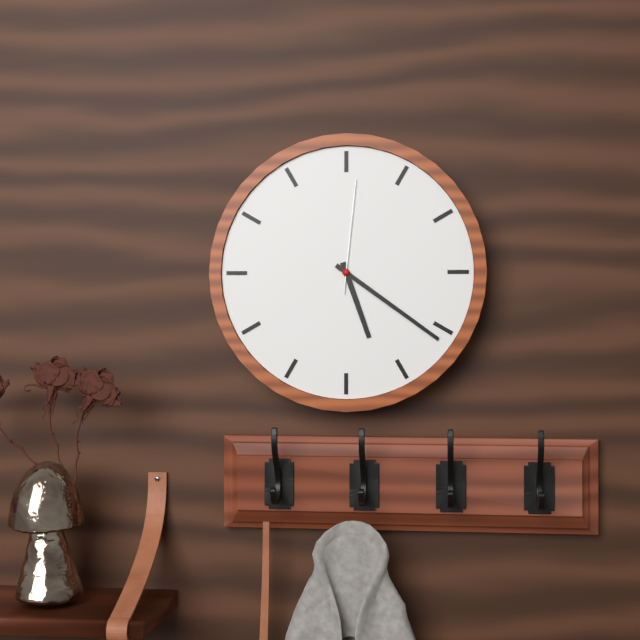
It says 5:21:01
